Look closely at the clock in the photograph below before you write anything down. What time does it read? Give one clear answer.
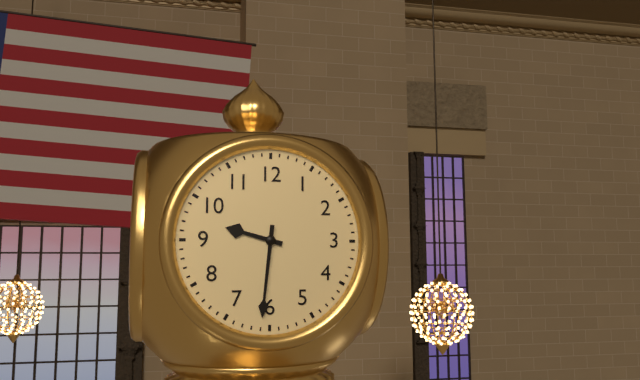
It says 9:31
